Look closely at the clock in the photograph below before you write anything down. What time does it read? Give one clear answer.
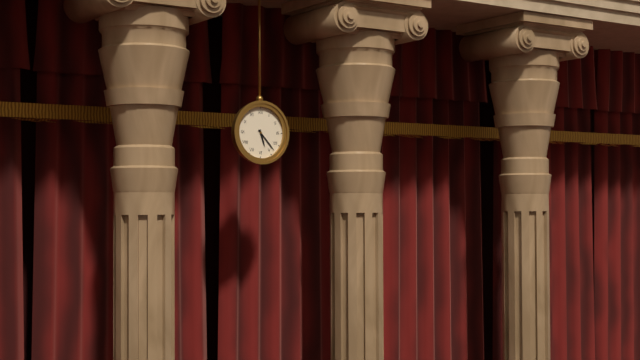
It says 5:23
